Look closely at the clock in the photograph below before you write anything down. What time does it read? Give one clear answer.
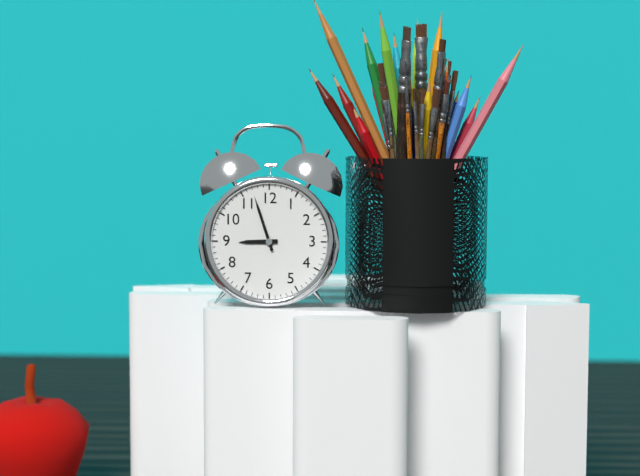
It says 8:57
